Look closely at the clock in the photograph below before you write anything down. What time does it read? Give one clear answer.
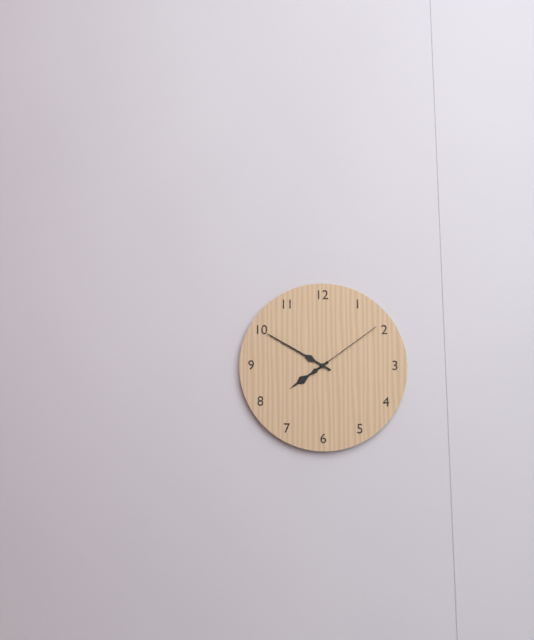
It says 7:50:09
